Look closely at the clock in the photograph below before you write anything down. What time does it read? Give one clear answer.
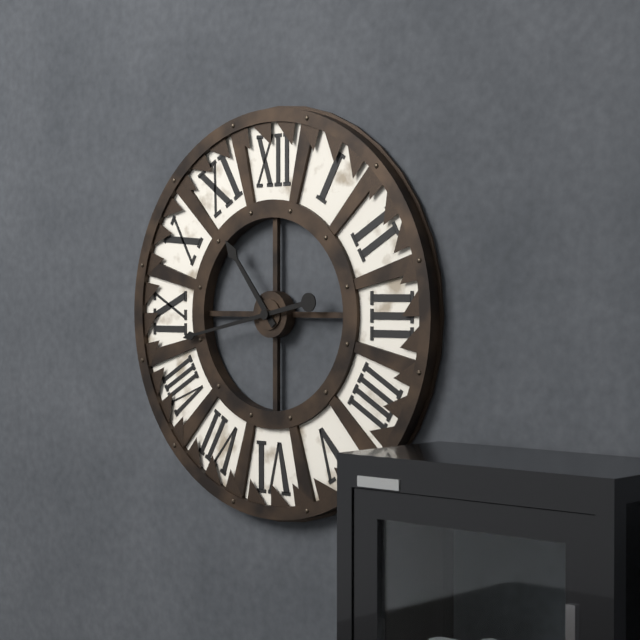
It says 10:43
